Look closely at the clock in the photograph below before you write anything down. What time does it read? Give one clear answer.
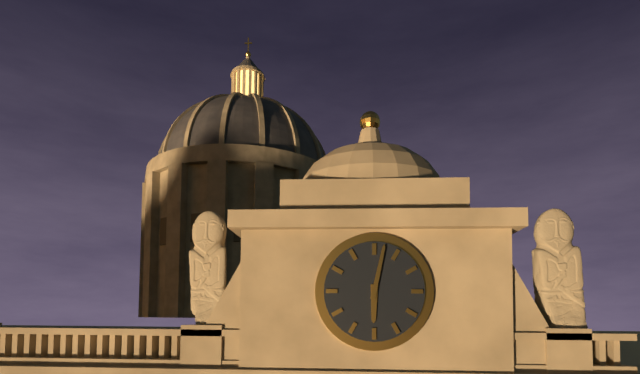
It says 6:02
